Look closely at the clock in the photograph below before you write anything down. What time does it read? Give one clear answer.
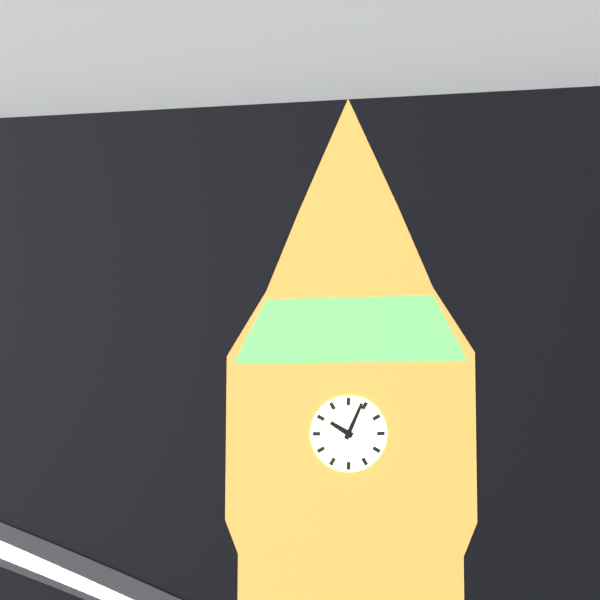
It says 10:04
